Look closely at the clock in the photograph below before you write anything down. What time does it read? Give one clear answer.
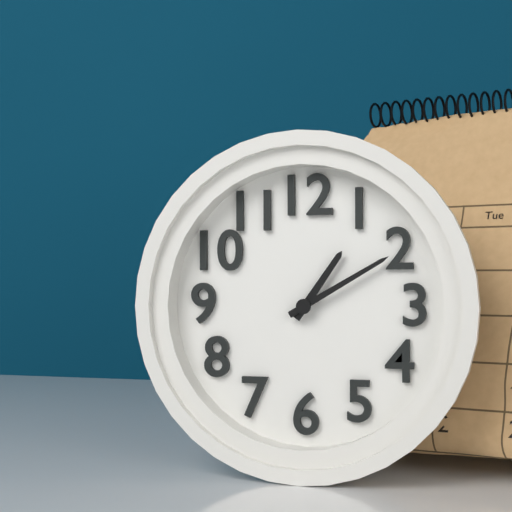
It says 1:10
